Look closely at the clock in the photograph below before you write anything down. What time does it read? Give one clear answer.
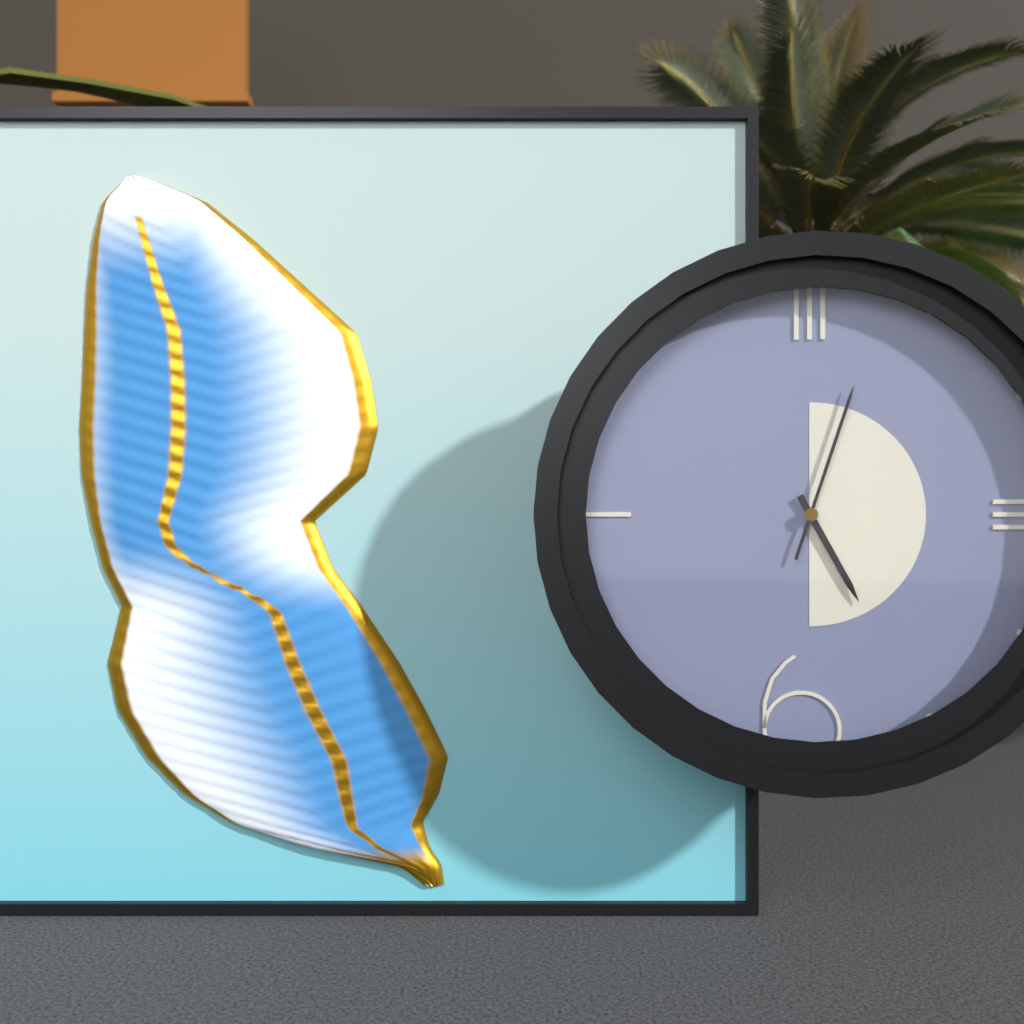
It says 5:03
